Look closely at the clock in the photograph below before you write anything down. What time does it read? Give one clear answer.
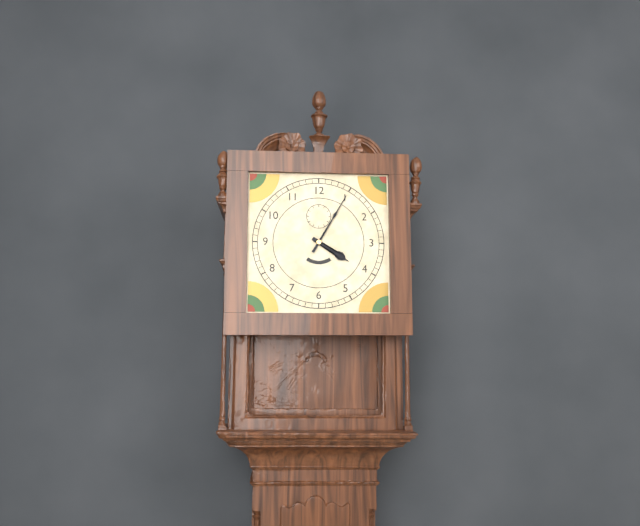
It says 4:05
